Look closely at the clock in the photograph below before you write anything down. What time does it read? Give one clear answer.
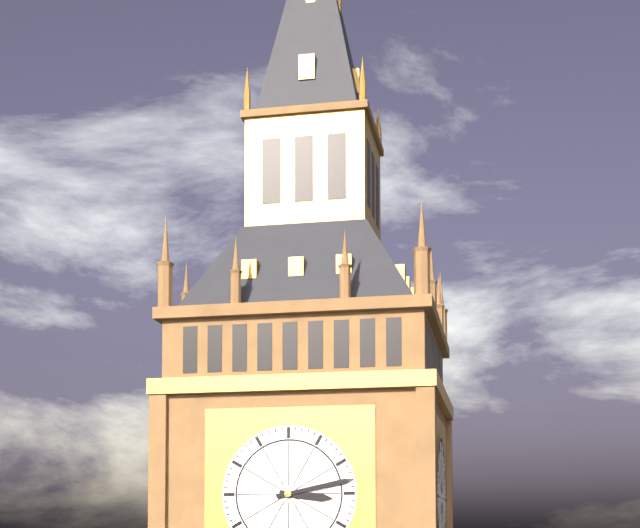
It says 3:13
